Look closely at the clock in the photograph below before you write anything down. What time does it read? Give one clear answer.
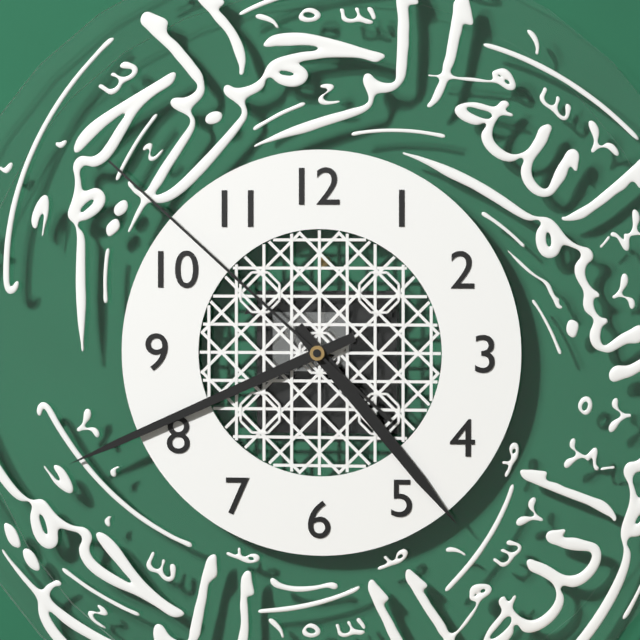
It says 4:41:52
